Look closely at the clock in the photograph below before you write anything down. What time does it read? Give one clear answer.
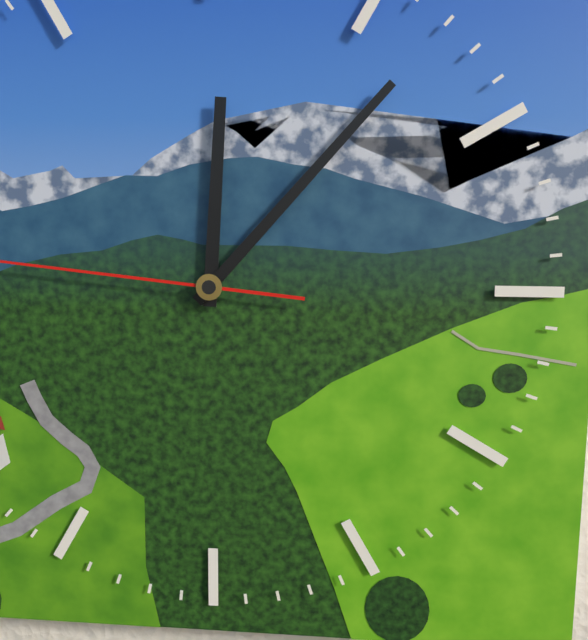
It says 12:07
